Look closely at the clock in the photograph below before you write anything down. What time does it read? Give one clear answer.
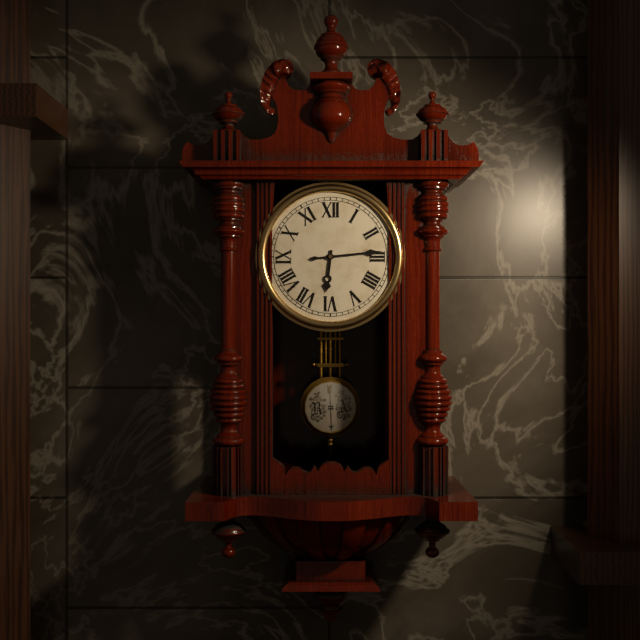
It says 6:14
